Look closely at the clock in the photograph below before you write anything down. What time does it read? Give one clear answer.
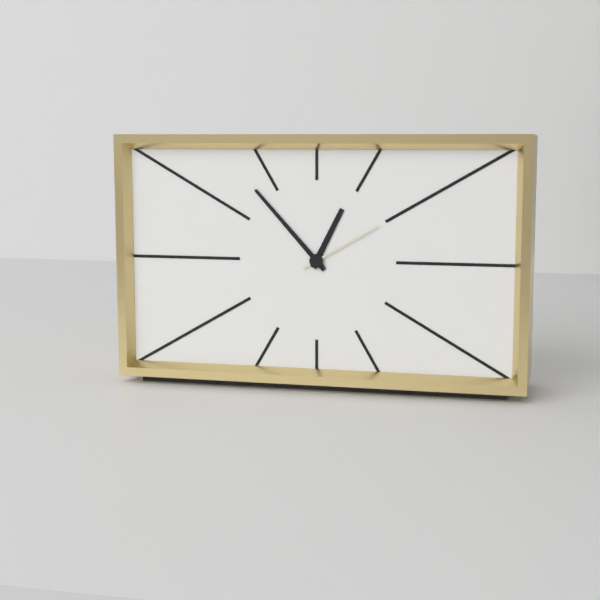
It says 12:53:10
